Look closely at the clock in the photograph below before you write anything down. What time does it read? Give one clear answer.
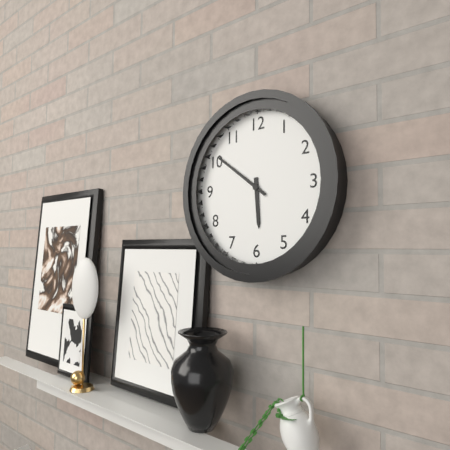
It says 5:51
